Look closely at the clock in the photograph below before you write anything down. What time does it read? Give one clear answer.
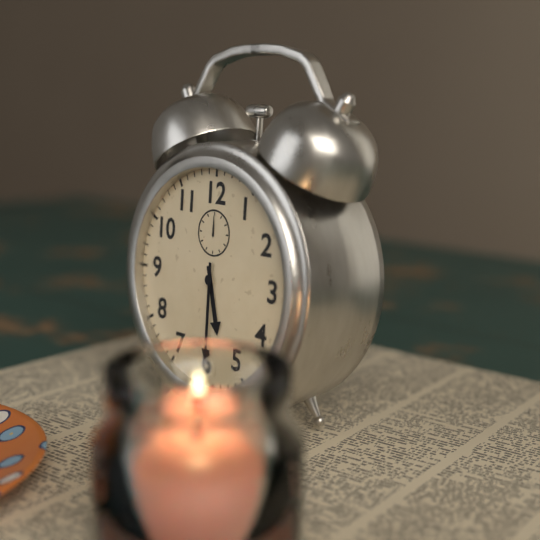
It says 5:30
